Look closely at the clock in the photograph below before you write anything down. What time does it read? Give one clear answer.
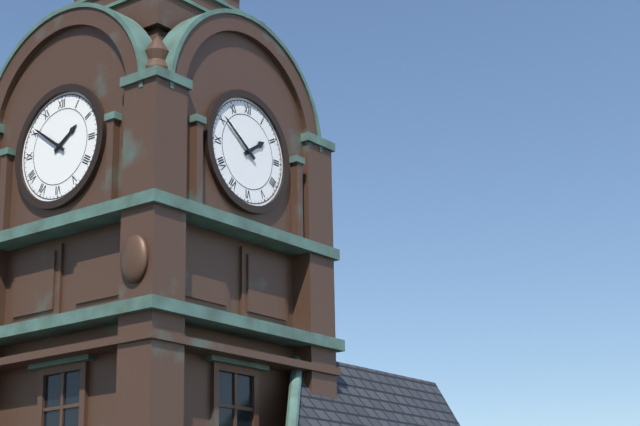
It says 1:51
